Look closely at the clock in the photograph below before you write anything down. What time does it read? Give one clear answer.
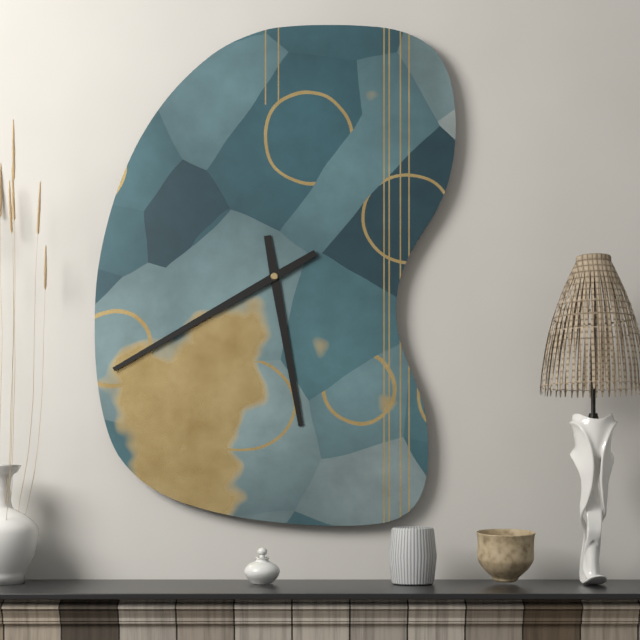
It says 5:40
